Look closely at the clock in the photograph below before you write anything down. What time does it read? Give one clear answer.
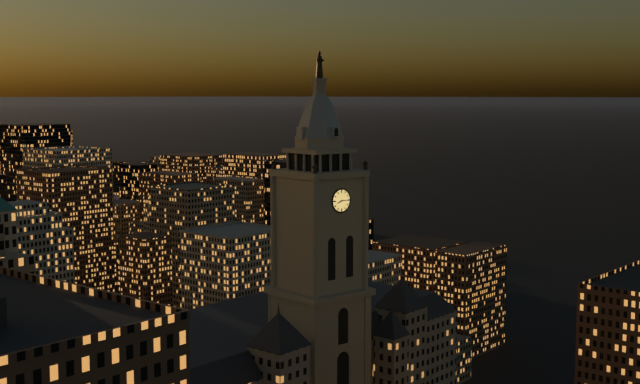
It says 8:15
